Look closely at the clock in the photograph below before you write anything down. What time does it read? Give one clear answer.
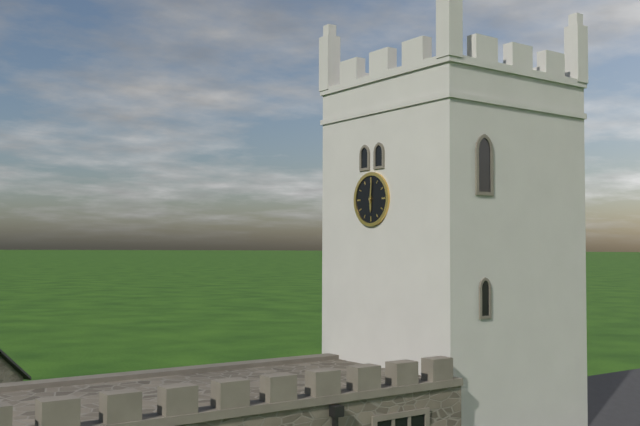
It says 6:01
